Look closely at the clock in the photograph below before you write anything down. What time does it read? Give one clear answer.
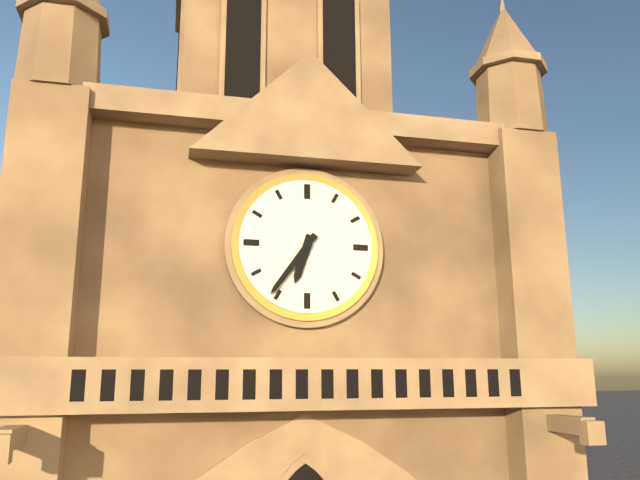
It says 6:36
